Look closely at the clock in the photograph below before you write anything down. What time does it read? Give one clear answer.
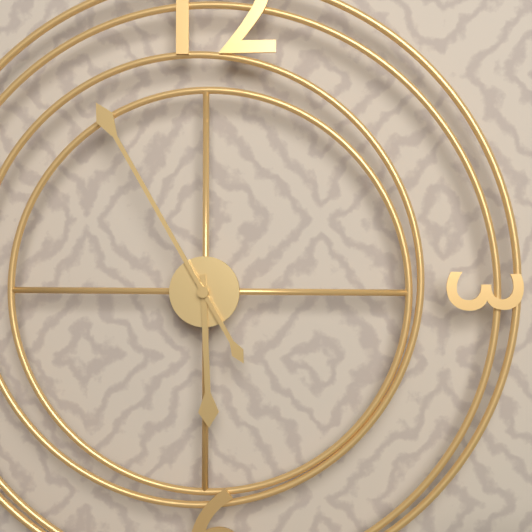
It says 5:55
